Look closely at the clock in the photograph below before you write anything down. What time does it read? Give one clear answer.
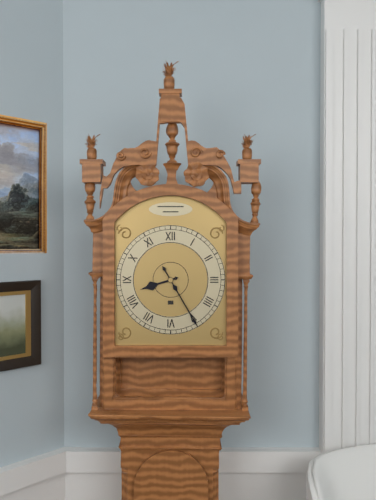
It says 8:25
